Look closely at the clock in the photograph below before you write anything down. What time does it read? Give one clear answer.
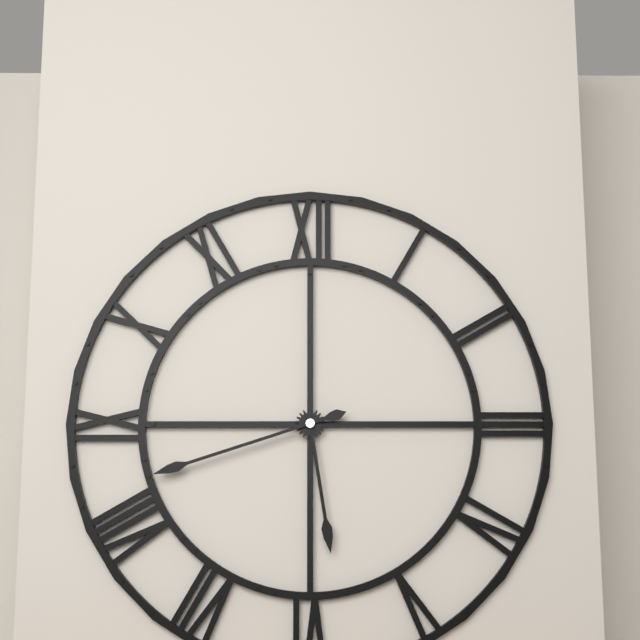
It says 5:42
